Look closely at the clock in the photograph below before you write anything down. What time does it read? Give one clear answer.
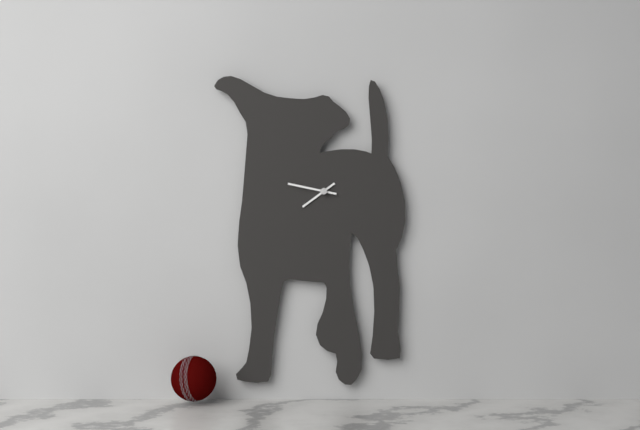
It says 7:47
